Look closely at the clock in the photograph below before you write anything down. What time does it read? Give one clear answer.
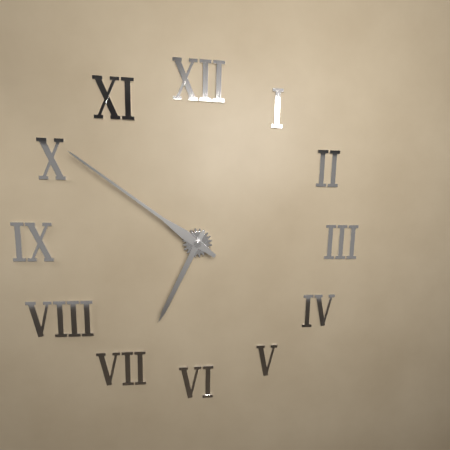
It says 6:51
